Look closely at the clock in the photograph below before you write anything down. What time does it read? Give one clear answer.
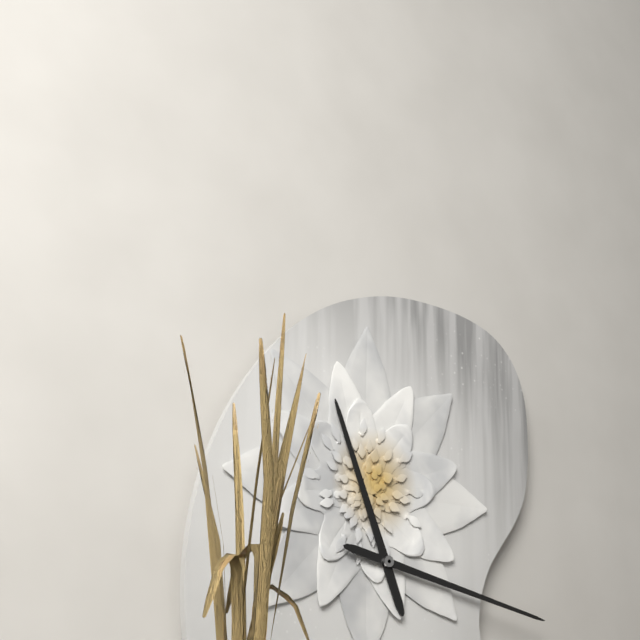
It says 11:17
